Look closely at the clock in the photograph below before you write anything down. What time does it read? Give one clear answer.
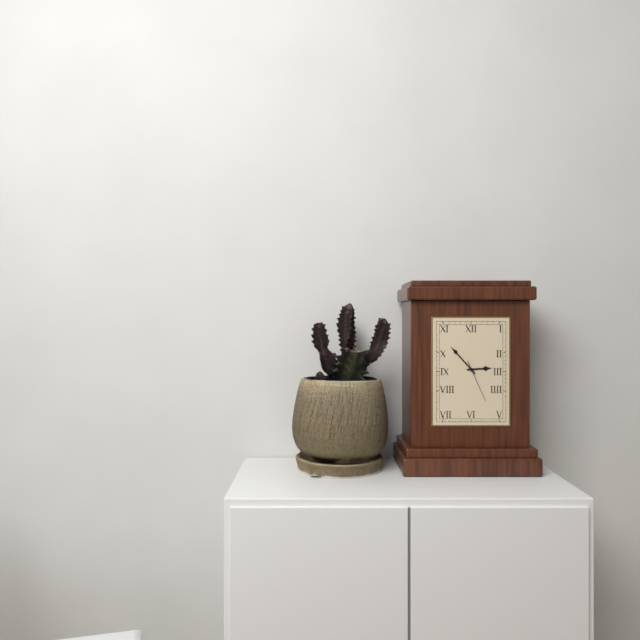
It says 2:53:26
